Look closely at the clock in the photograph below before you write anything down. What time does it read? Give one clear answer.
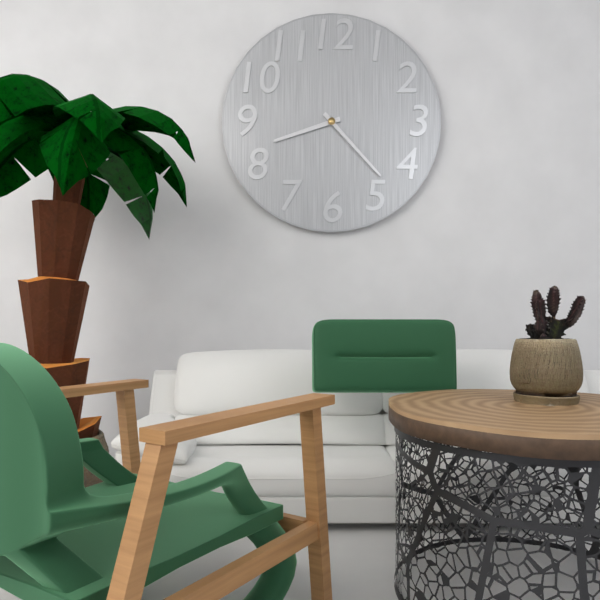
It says 8:23
